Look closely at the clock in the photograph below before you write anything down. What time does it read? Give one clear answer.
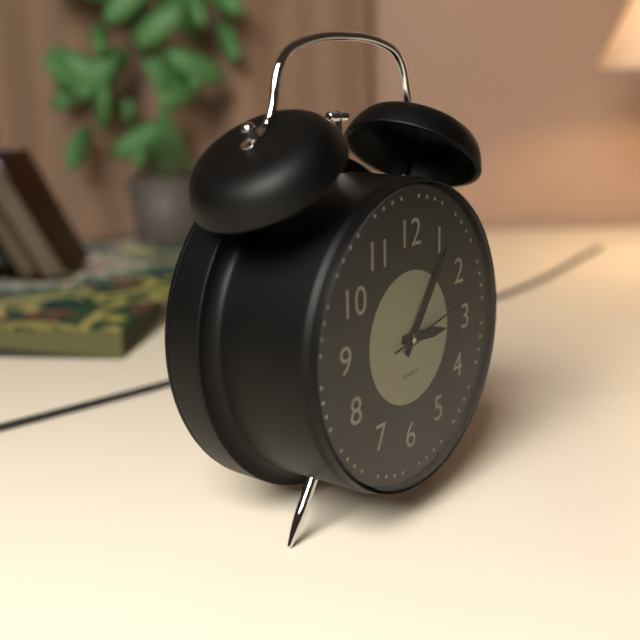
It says 3:06:13
